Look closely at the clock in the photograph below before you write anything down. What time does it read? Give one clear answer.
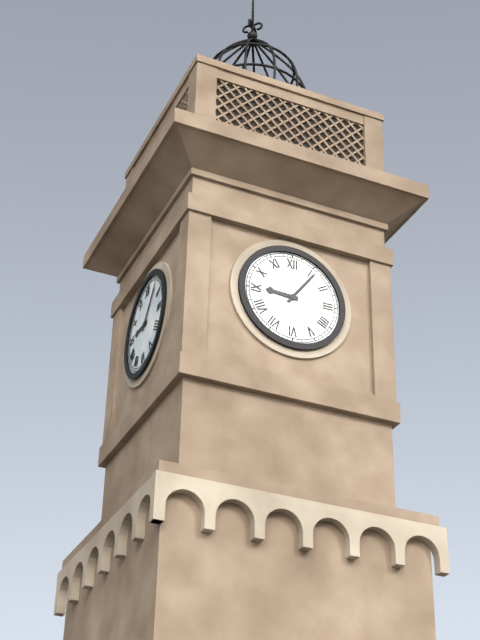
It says 9:06
